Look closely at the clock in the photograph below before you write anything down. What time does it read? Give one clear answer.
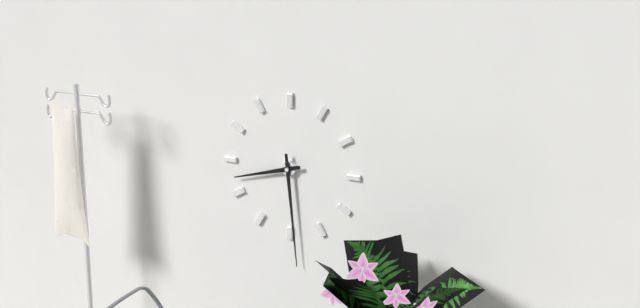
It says 8:29
